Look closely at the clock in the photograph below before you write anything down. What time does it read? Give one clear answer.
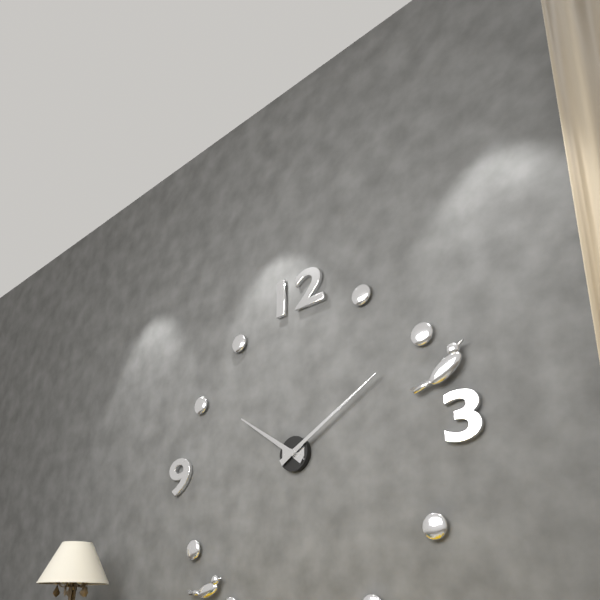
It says 10:10
